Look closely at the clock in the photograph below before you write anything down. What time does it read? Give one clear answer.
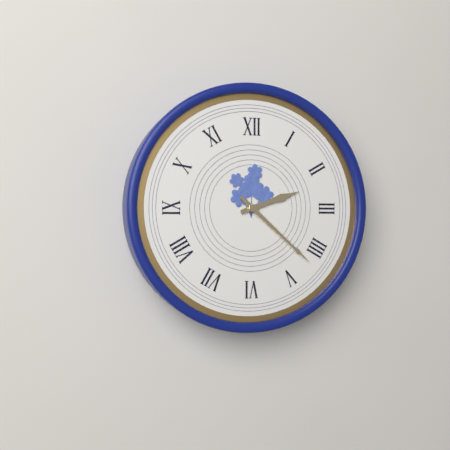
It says 2:22
